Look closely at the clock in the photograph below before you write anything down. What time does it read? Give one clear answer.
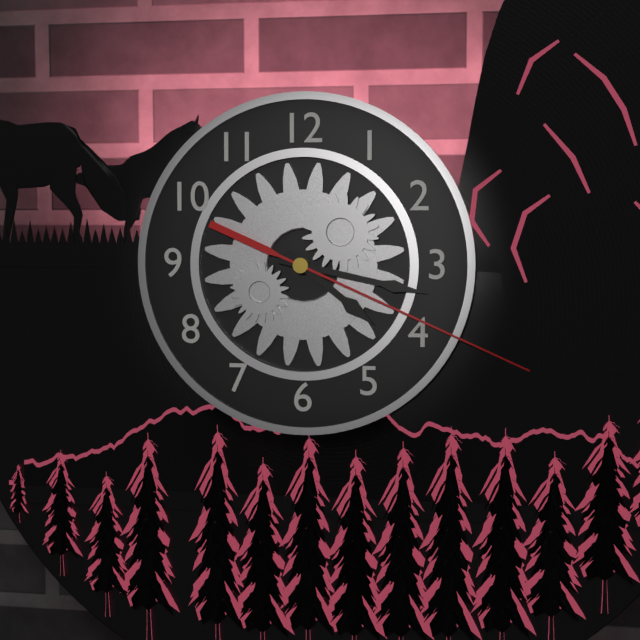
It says 4:17:19
